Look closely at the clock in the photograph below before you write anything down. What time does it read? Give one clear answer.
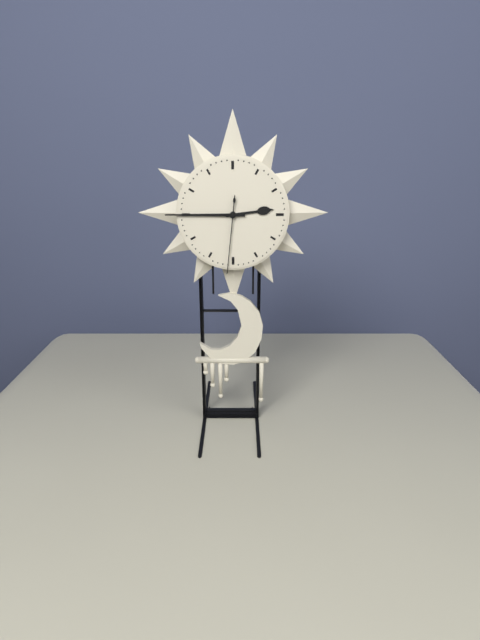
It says 2:45:31
